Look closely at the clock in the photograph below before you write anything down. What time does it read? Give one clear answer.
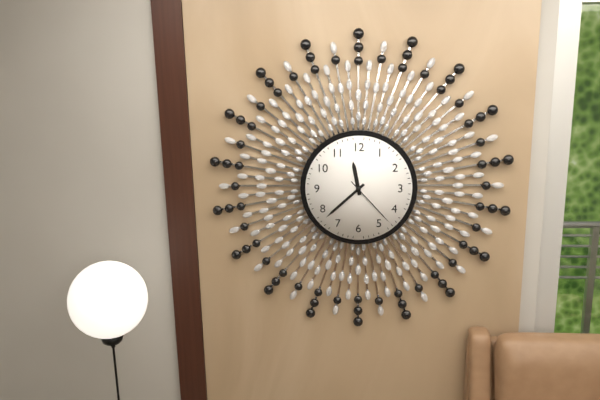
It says 11:38:23
